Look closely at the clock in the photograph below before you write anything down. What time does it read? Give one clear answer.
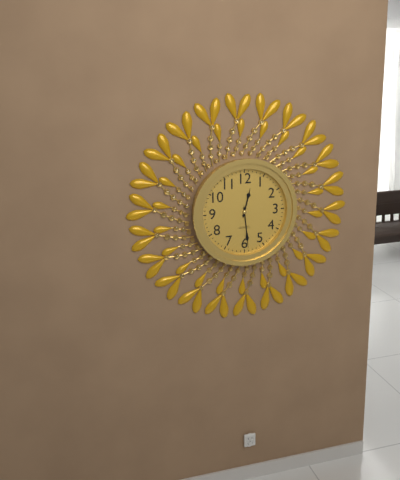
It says 12:29
